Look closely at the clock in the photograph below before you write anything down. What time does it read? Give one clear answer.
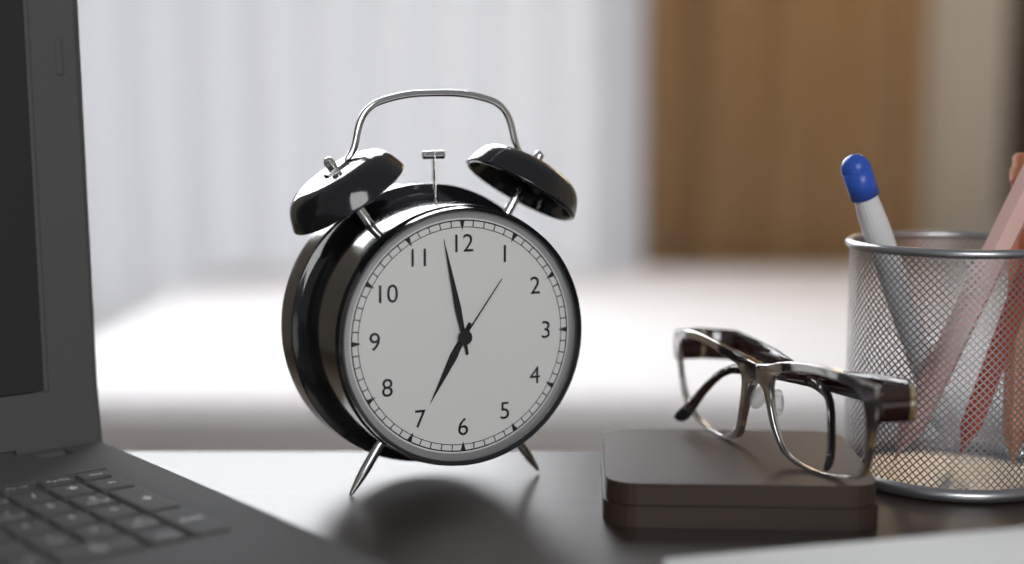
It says 6:58:06
